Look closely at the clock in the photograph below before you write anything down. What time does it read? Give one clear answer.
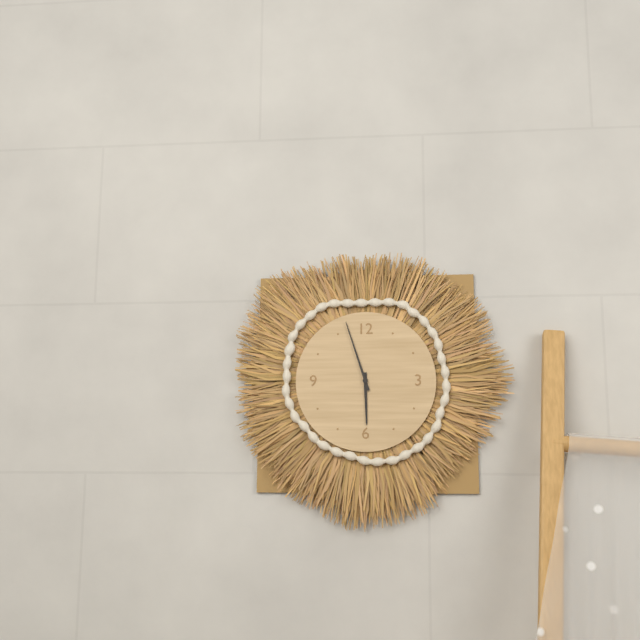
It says 5:57
